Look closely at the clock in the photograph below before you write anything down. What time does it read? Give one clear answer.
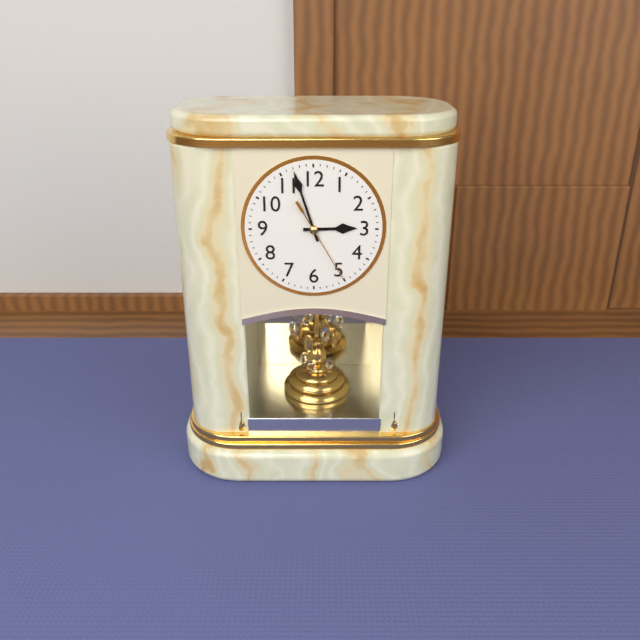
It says 2:57:25
